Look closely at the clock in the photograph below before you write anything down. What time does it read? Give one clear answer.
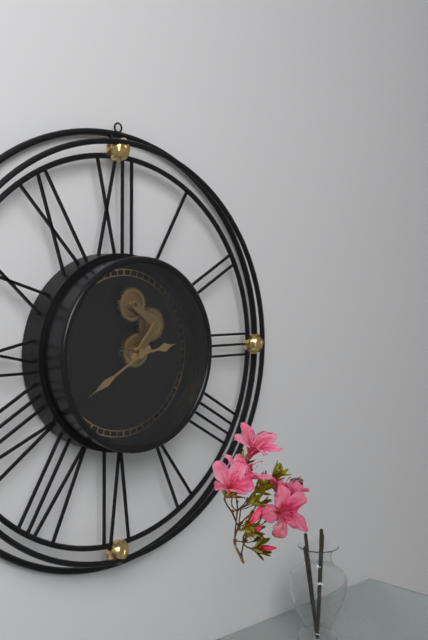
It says 2:40
